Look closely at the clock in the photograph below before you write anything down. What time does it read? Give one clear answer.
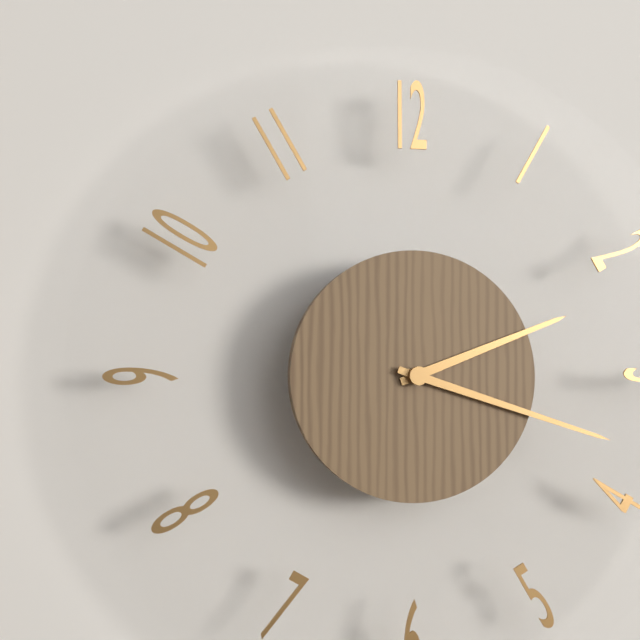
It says 2:18
